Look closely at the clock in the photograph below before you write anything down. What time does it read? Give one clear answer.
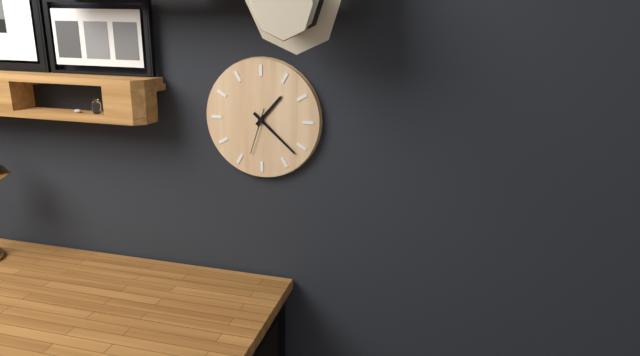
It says 1:22
